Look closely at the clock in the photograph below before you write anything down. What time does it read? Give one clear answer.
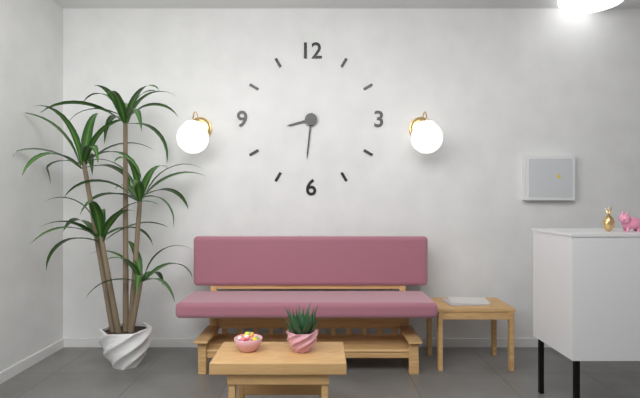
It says 8:31
